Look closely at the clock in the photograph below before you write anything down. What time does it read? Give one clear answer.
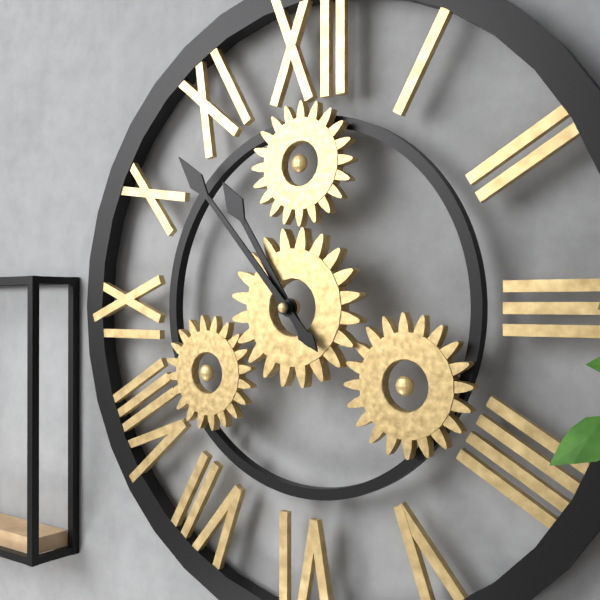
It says 10:53
